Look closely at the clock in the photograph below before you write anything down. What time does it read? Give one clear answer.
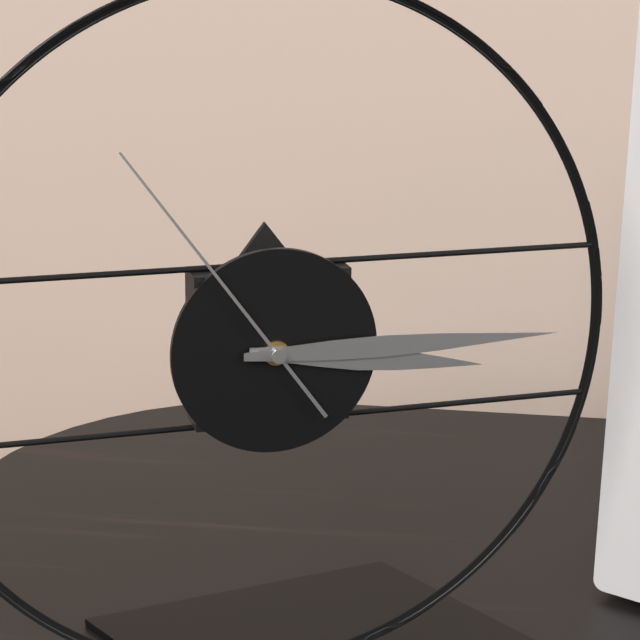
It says 3:15:54
